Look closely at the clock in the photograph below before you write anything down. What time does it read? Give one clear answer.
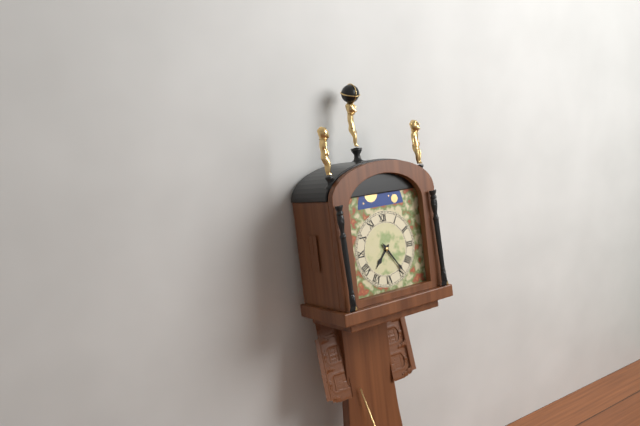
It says 7:24
